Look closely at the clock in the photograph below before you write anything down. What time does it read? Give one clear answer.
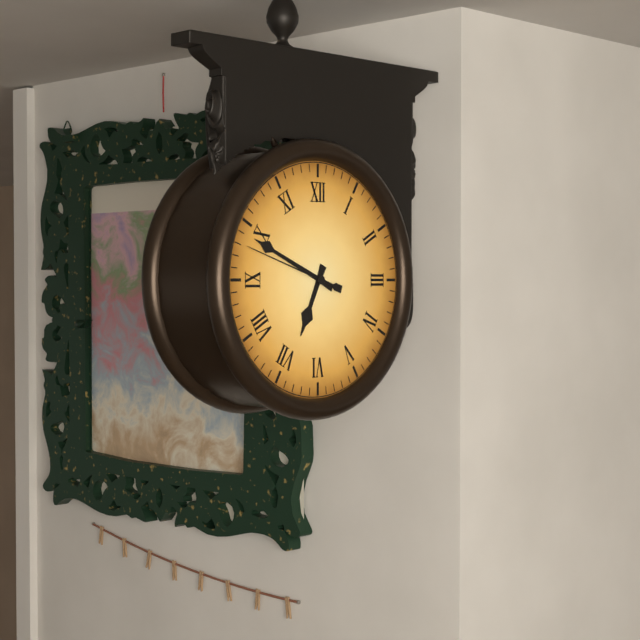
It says 6:49:48
